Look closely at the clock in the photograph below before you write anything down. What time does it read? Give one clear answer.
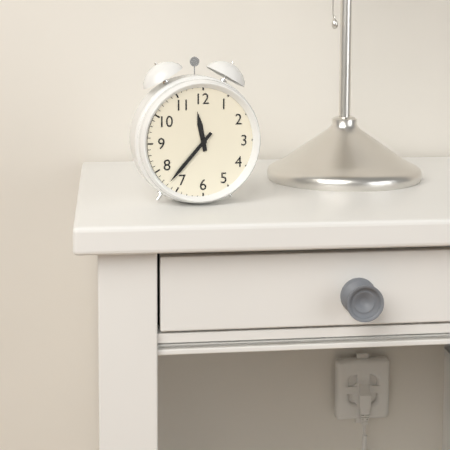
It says 11:37
